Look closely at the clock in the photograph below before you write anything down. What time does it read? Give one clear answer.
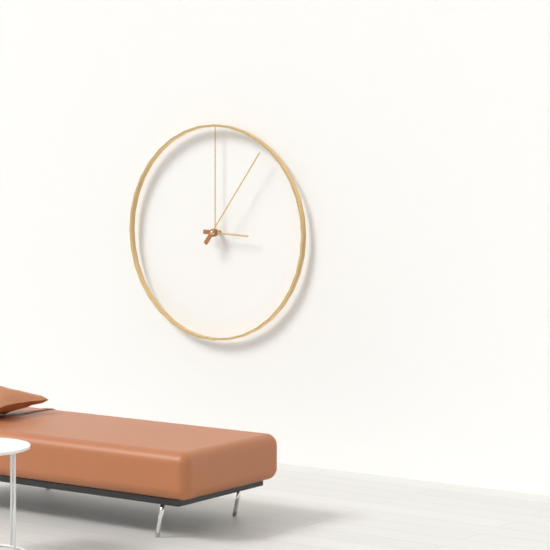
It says 3:06
